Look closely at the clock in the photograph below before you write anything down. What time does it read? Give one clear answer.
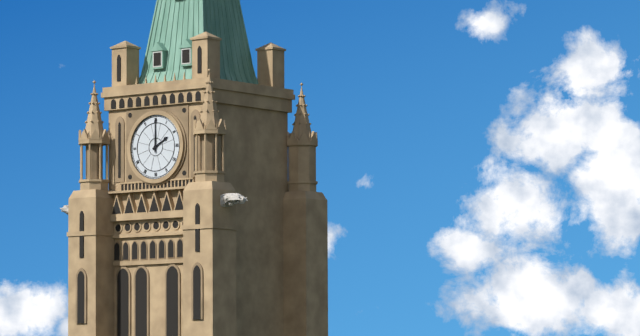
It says 2:00
